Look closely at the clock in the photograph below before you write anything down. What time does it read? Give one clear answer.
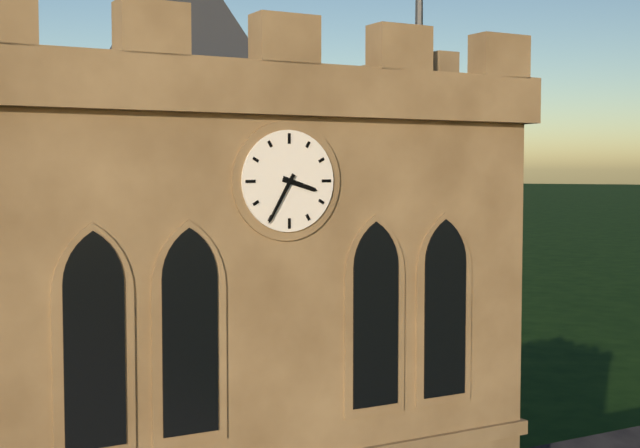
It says 3:35
